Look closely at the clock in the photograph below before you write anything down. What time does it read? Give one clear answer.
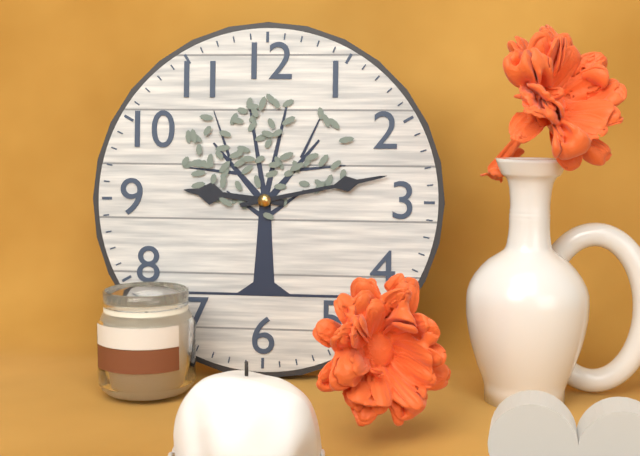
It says 9:13
